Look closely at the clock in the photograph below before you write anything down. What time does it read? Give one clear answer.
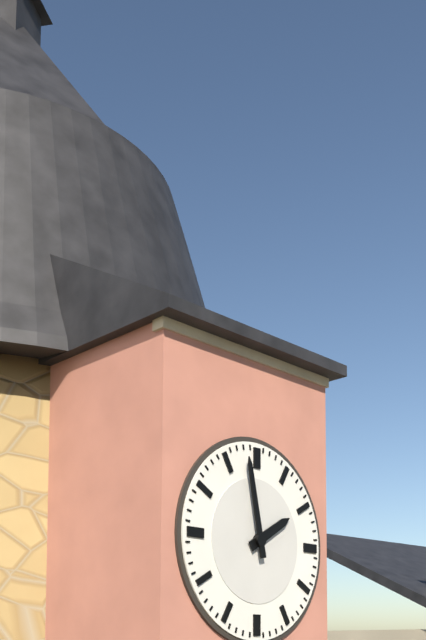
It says 1:58
